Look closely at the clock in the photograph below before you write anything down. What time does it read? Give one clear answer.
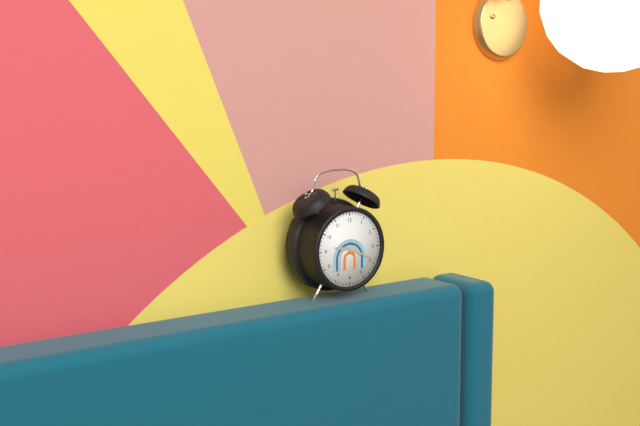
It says 9:19
